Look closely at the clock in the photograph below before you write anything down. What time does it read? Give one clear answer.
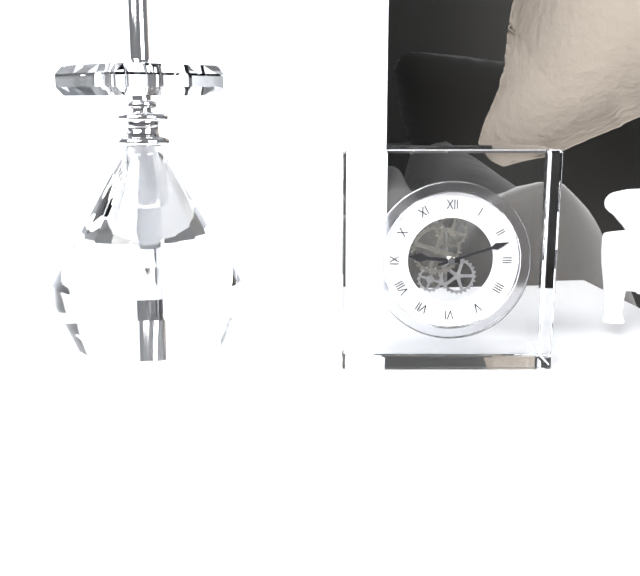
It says 9:12
